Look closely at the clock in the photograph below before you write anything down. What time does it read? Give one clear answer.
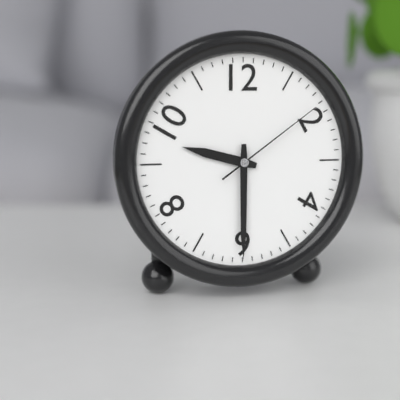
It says 9:30:09
